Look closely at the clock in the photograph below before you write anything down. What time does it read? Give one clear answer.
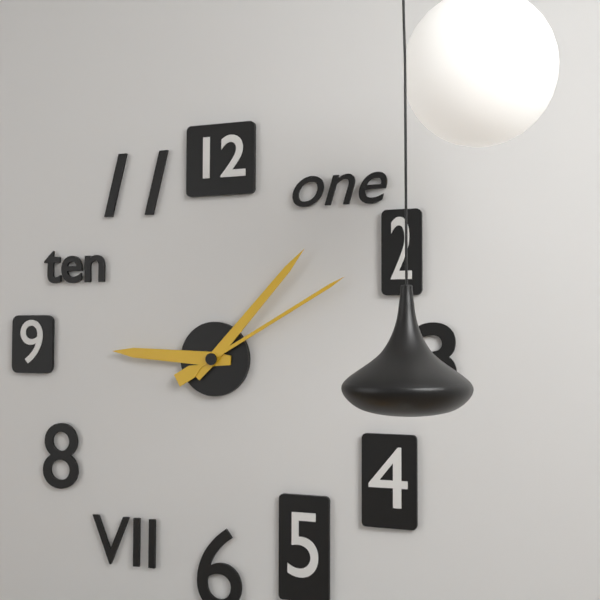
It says 9:07:10
